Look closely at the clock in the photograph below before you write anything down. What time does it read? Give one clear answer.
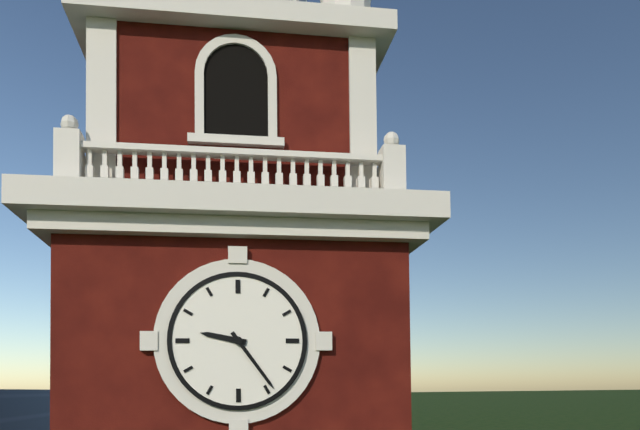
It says 9:24
